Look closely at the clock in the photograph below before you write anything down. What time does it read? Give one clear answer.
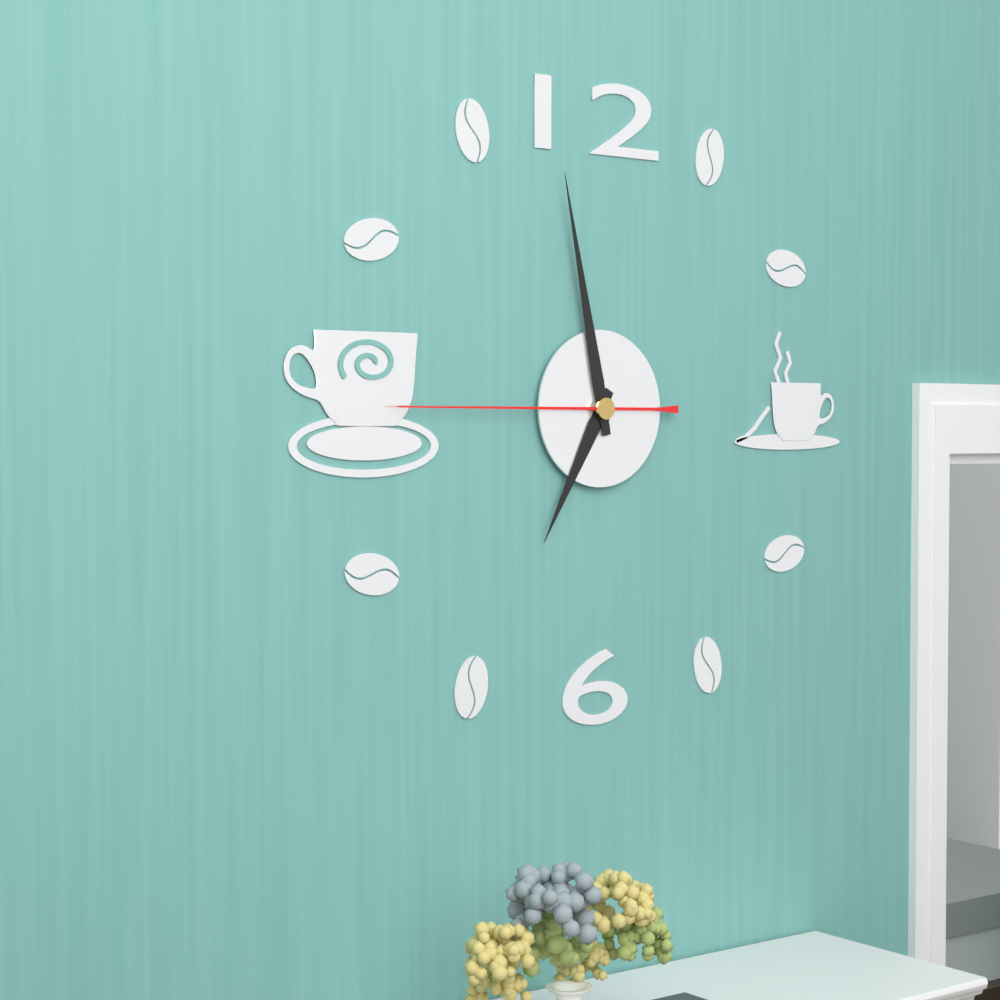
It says 6:58:45
